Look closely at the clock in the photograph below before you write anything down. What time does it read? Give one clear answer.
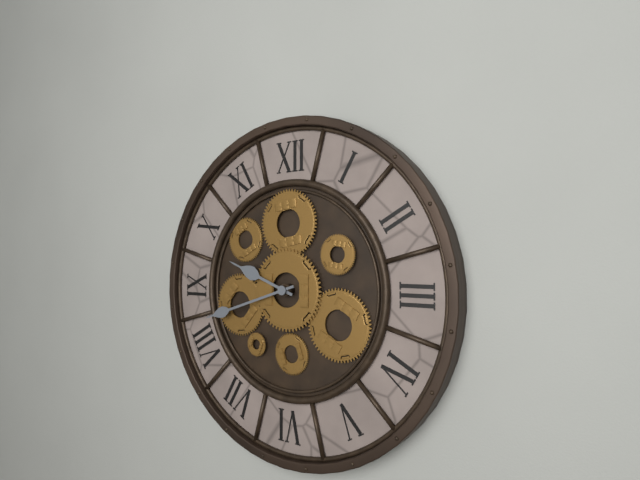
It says 9:42
